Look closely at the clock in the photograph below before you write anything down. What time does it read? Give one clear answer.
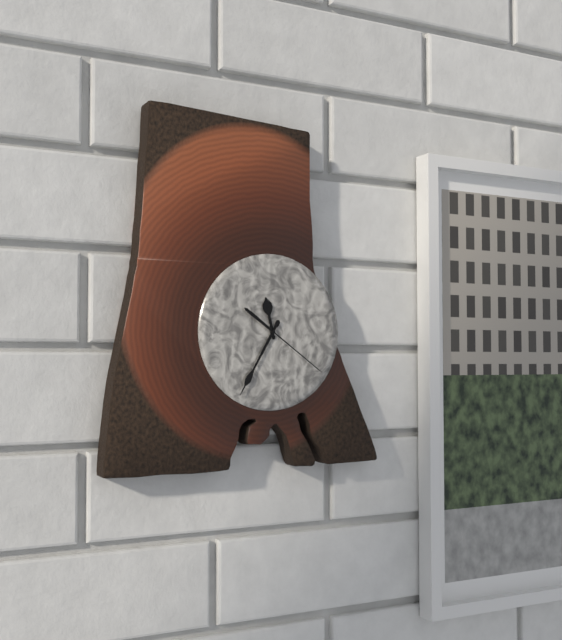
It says 11:35:21
